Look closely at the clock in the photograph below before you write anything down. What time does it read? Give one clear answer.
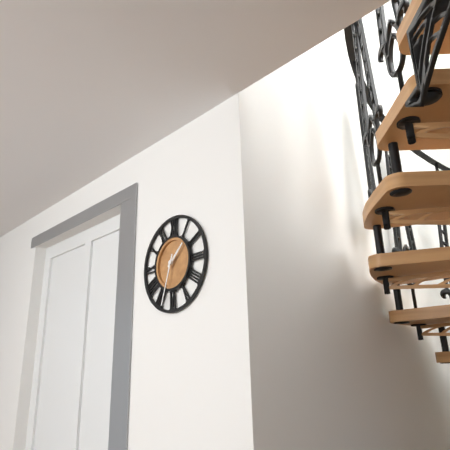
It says 1:33
